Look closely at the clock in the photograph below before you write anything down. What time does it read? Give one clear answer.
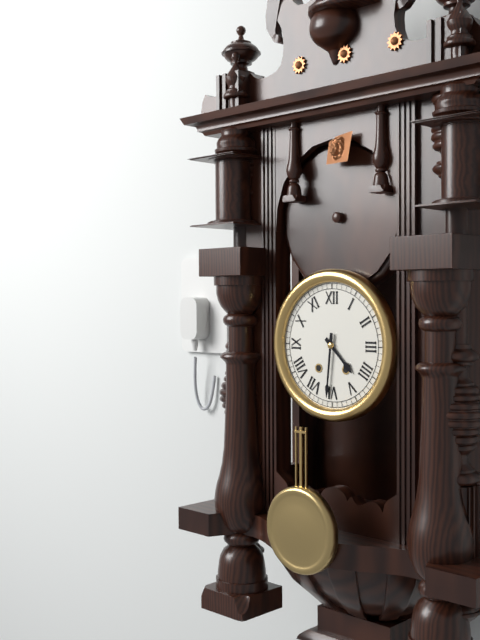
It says 4:31
